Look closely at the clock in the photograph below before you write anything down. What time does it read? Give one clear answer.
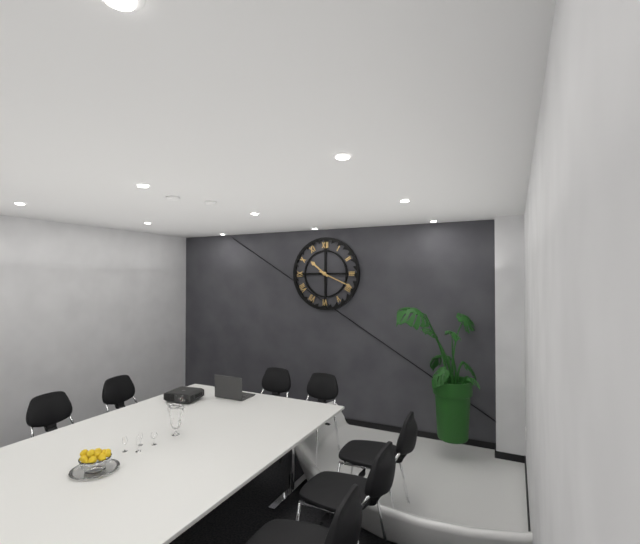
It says 10:19
